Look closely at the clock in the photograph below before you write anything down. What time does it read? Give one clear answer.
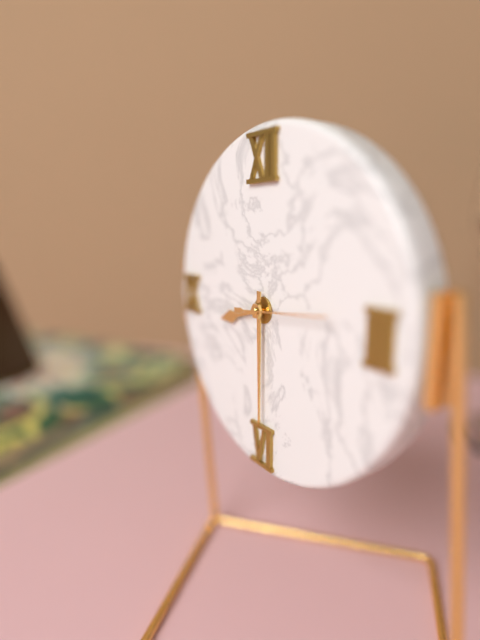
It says 8:30:14
